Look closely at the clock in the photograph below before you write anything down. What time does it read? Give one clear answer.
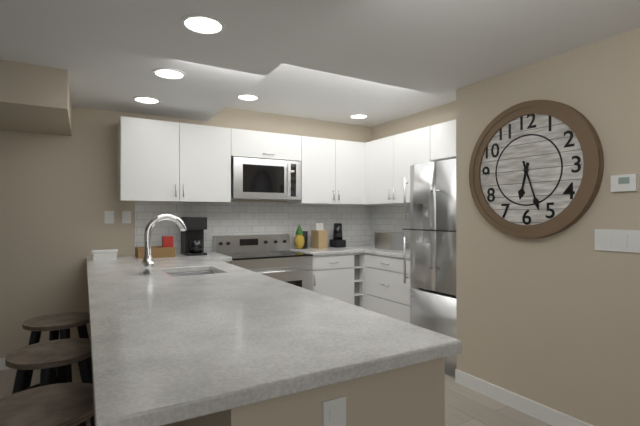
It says 6:27
